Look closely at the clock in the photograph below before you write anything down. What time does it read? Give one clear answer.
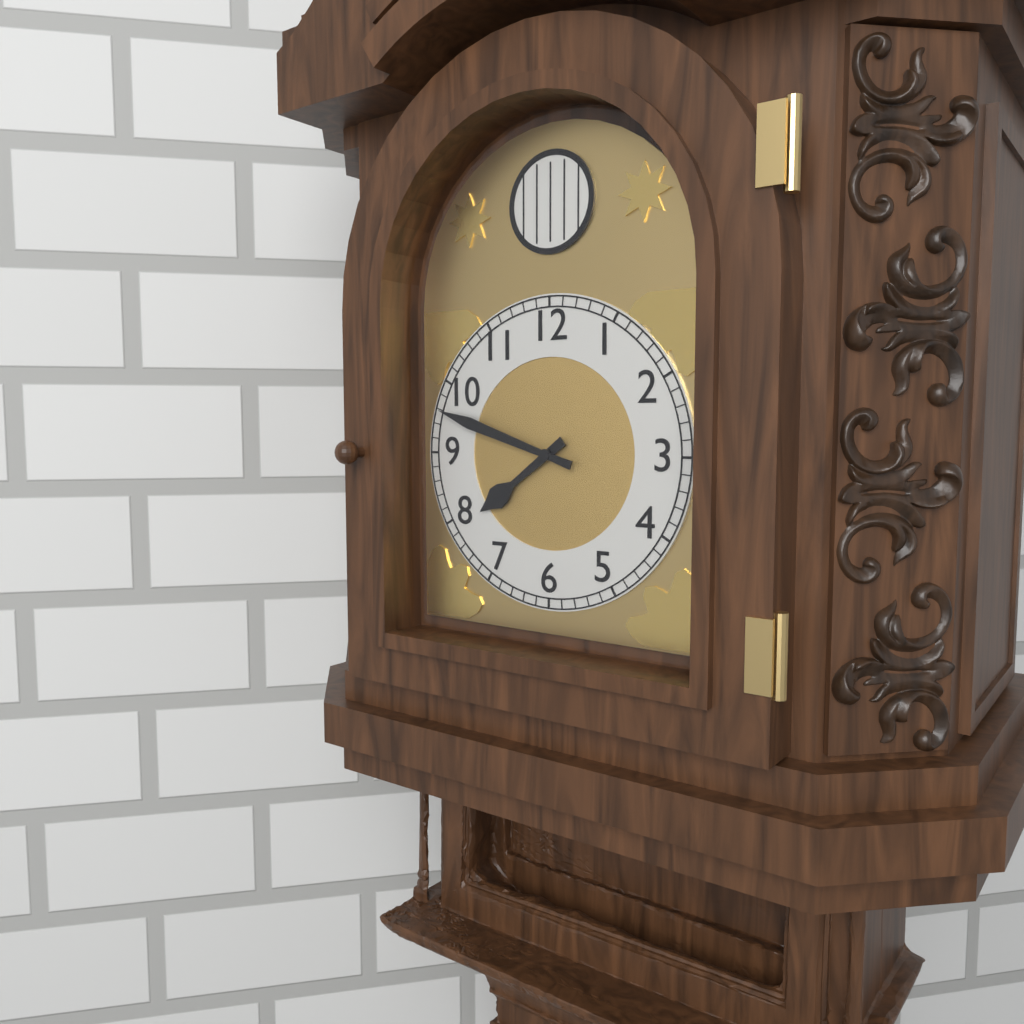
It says 7:48
